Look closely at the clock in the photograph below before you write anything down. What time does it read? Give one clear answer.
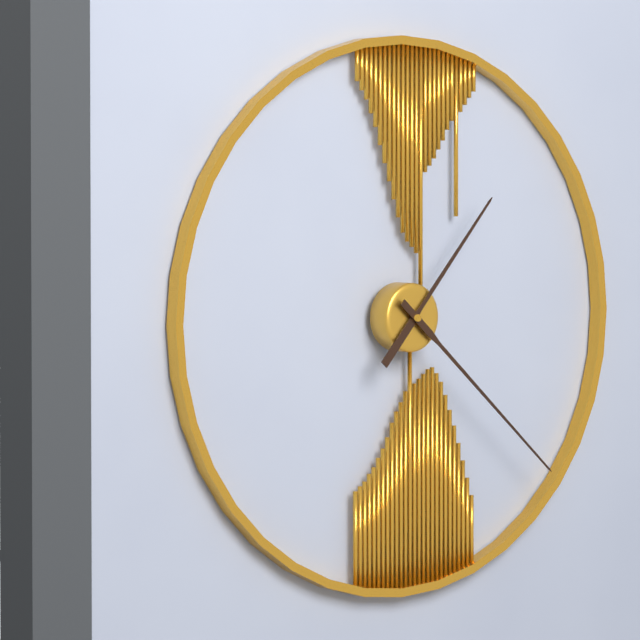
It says 1:22
